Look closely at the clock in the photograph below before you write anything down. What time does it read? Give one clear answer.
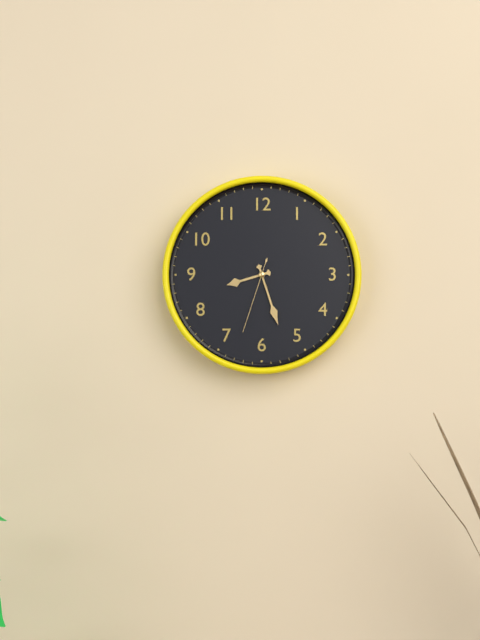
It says 8:27:33
